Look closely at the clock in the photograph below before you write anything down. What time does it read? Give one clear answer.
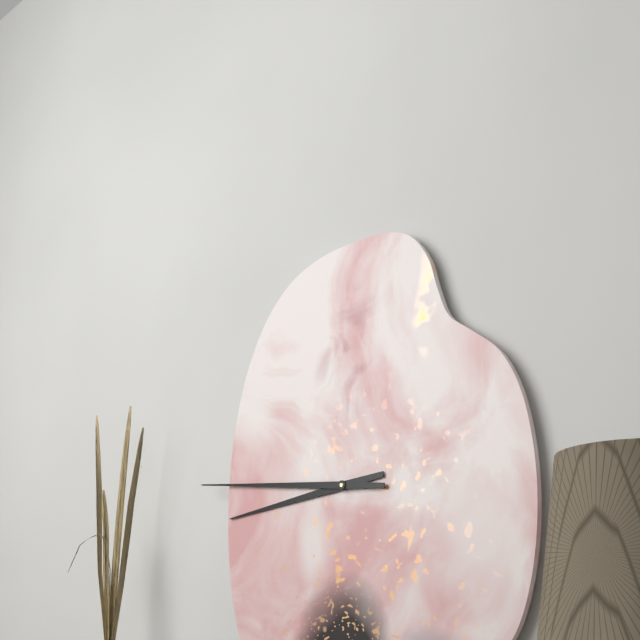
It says 8:46
